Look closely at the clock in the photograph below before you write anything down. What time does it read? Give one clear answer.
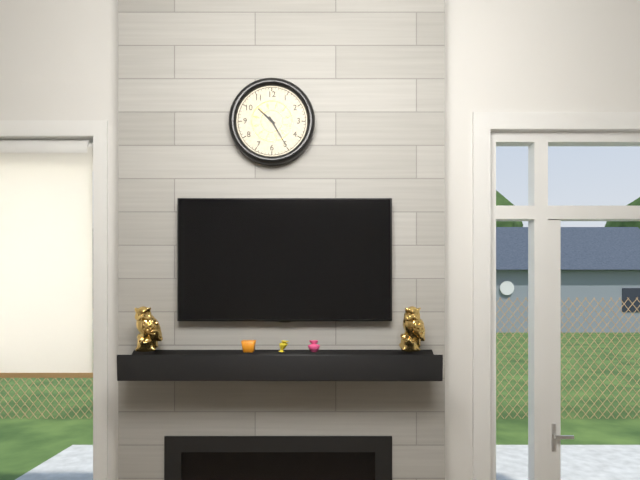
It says 10:25
